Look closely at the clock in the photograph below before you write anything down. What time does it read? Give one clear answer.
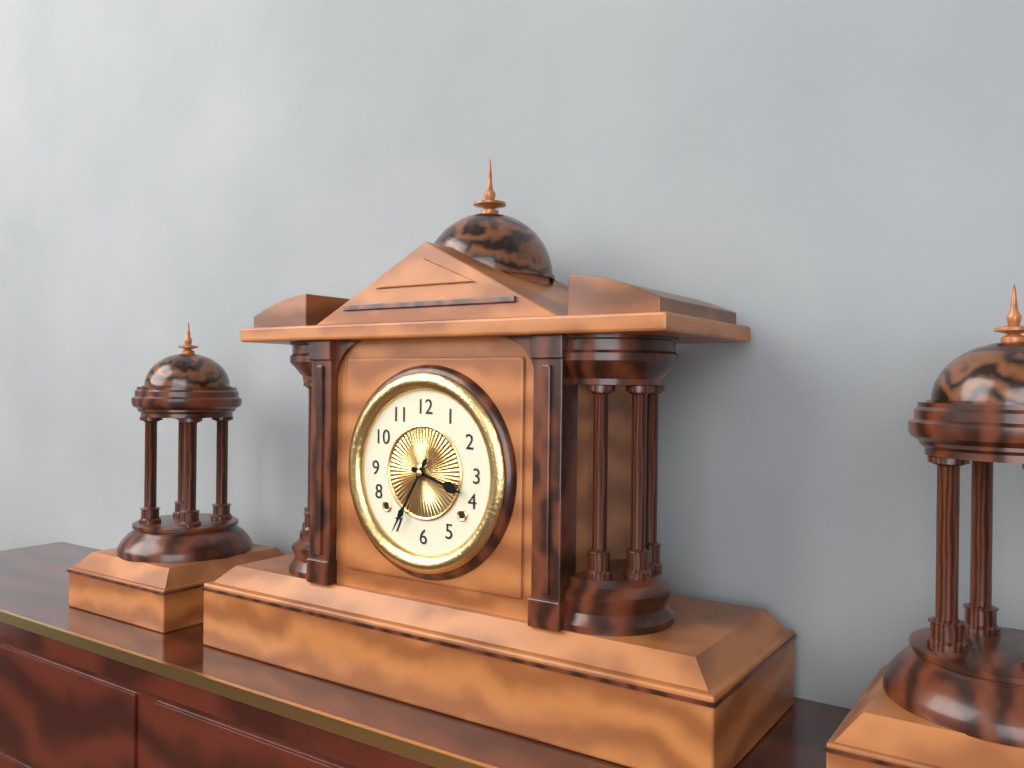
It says 3:35
